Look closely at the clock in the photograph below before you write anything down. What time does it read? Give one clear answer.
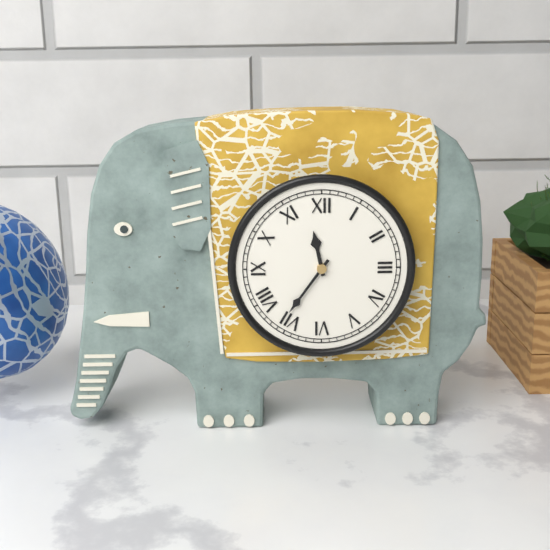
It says 11:36
